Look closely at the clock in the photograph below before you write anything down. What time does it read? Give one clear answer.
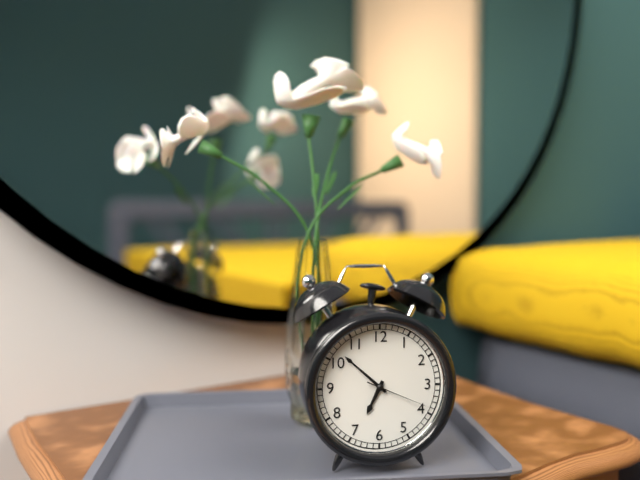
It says 6:52:19
